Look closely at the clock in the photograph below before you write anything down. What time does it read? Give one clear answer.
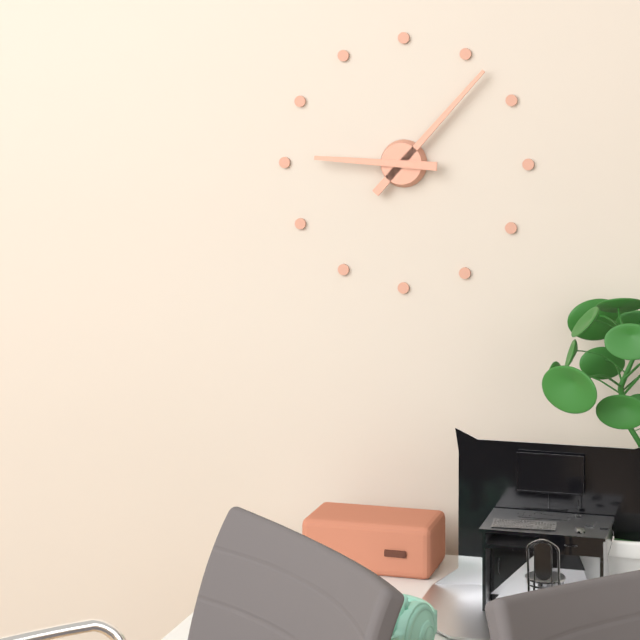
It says 9:07
